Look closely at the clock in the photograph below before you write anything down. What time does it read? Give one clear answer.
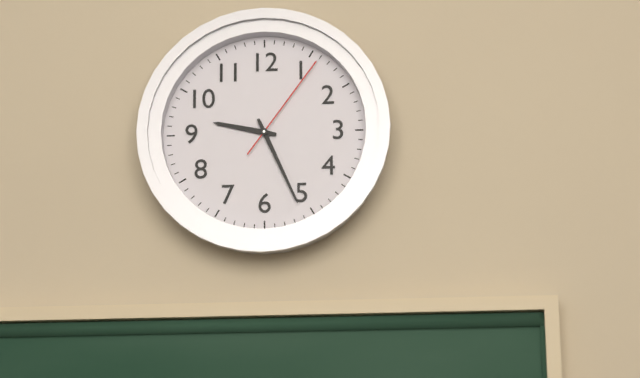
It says 9:26:06
